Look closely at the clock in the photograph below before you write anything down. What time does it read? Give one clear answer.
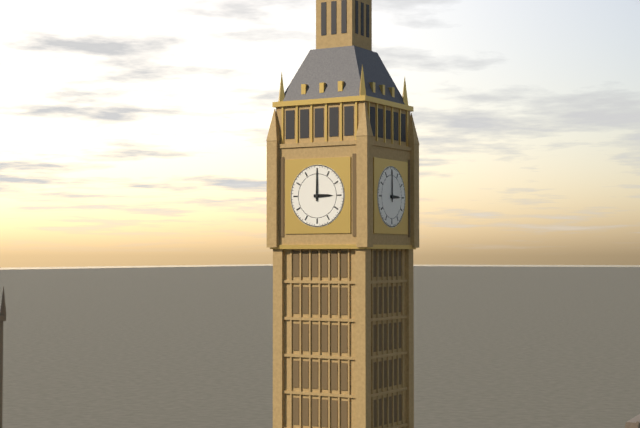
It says 3:00
